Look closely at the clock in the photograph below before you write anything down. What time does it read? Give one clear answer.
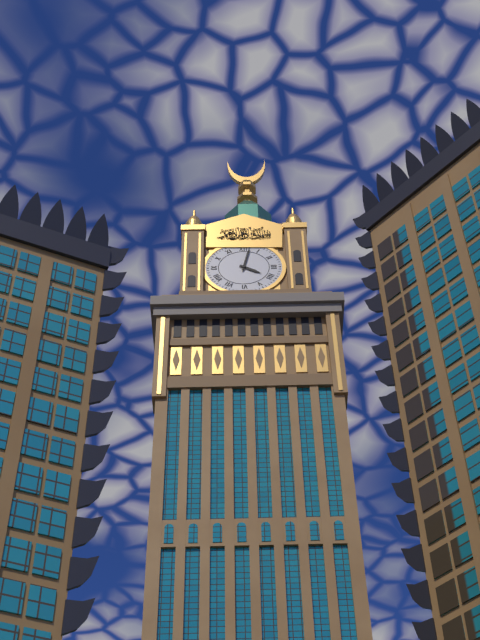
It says 4:02
